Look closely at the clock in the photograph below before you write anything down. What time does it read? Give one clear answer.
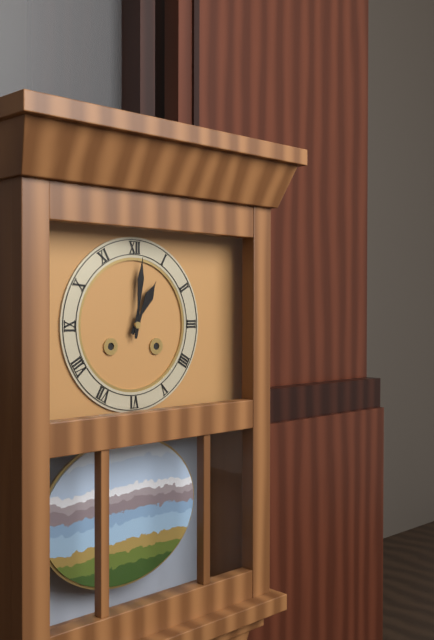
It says 1:01
